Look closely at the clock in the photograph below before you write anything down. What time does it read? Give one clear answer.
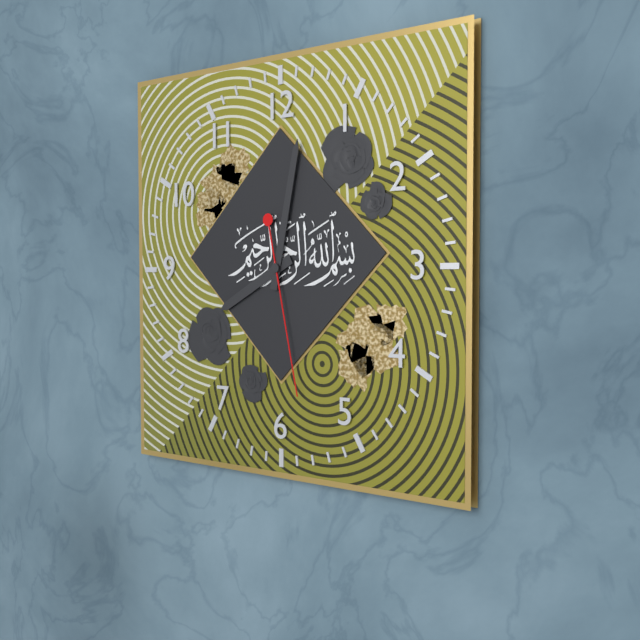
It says 8:02:28
